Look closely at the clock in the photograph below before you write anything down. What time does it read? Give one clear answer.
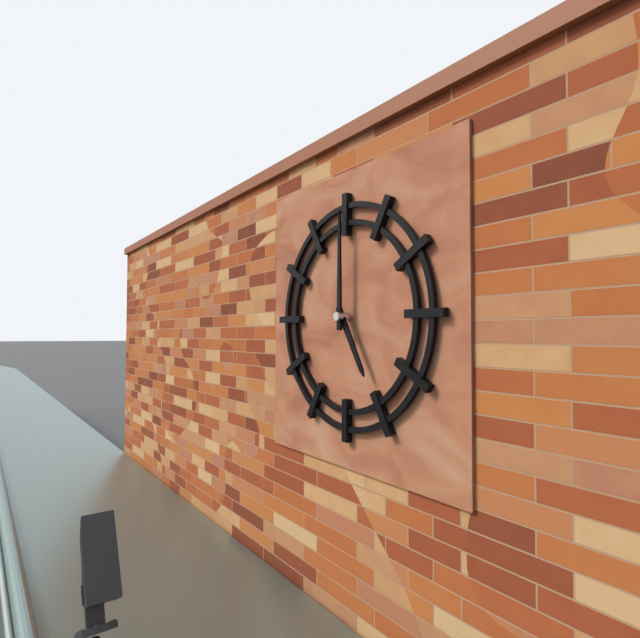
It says 5:00
